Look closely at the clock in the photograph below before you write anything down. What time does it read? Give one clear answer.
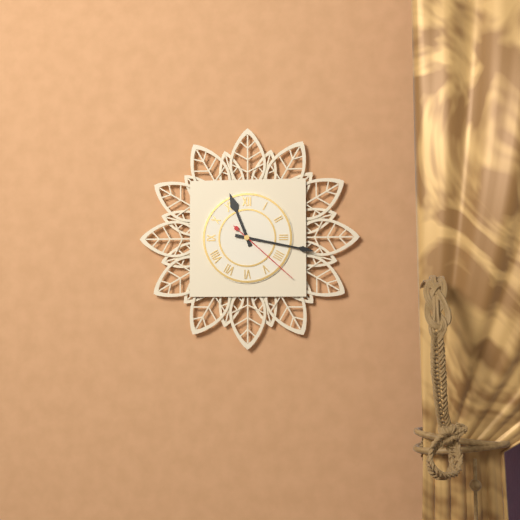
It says 11:17:22
